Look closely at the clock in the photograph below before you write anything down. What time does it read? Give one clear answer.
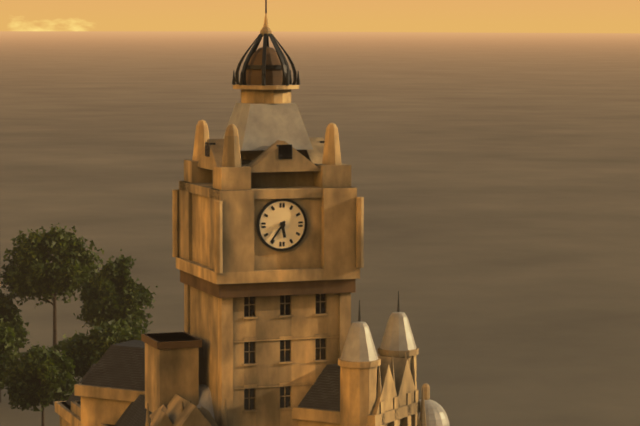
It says 5:36
